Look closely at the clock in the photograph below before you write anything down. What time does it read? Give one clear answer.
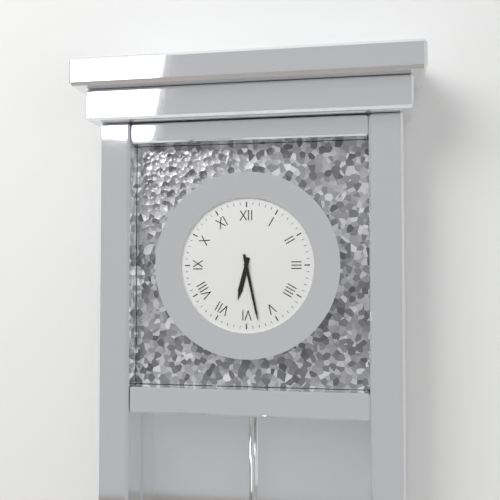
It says 6:28
